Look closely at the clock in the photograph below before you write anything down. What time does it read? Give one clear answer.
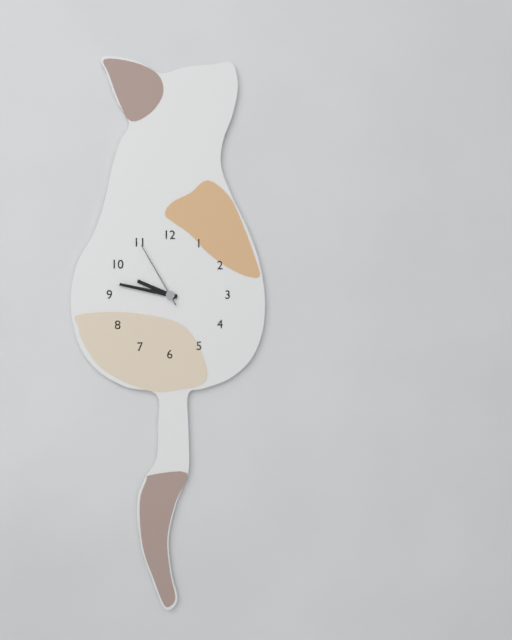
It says 9:47:55
